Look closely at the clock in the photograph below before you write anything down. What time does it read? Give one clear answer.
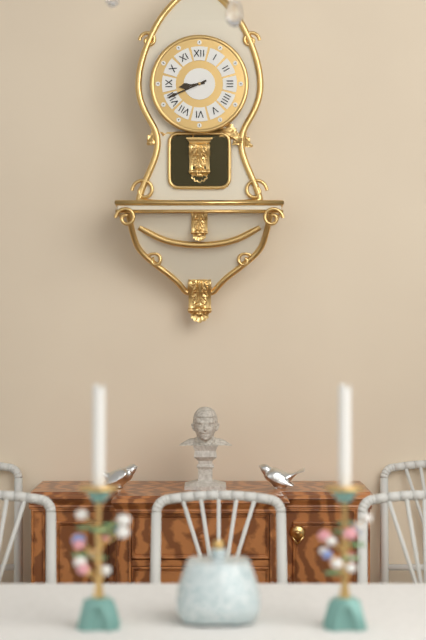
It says 8:41
